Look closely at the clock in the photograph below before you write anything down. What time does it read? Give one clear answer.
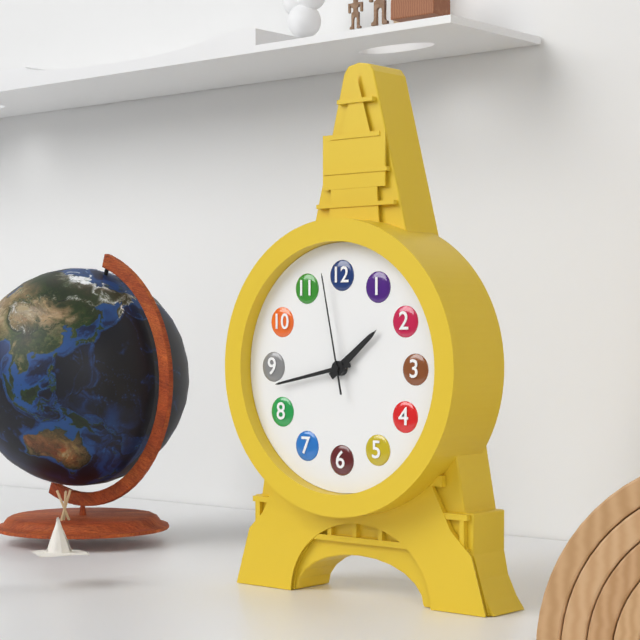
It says 1:43:58
